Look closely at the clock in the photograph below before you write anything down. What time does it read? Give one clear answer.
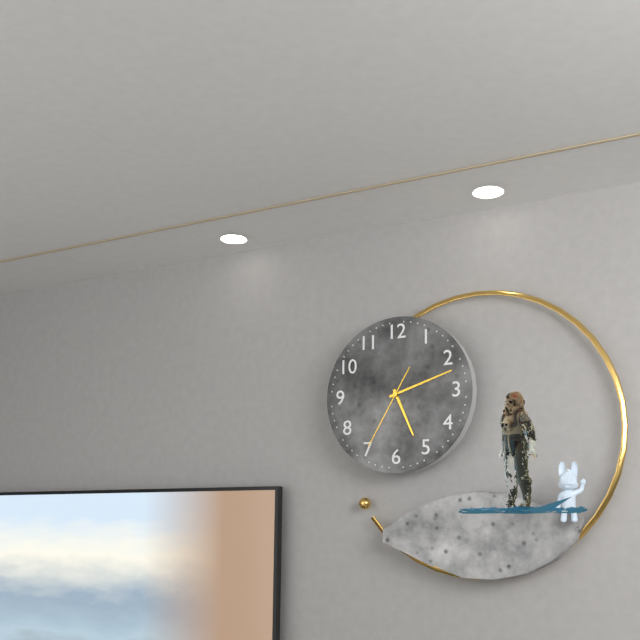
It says 5:12:35
